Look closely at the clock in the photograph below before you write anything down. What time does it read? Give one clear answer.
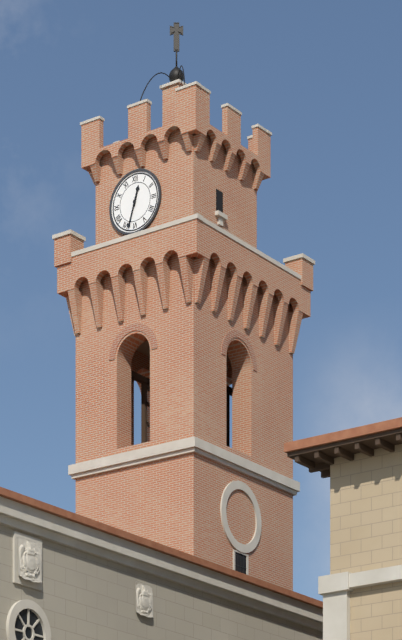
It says 12:33
